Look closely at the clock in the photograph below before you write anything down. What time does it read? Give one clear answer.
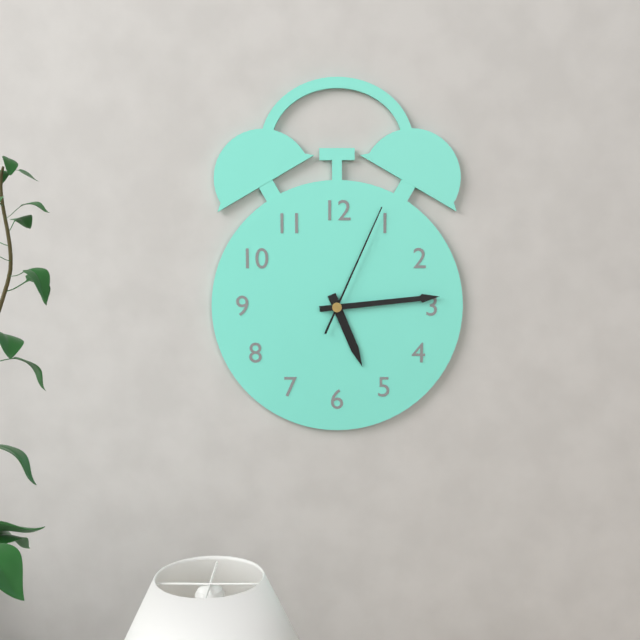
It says 5:14:04
